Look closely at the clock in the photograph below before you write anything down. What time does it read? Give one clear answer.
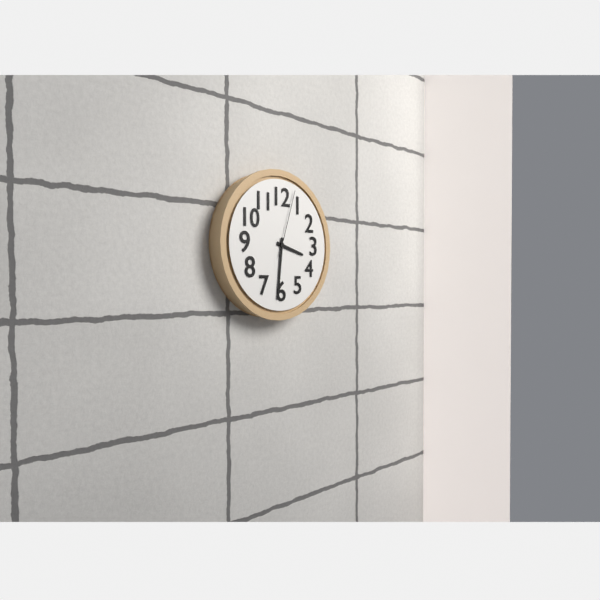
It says 3:31:03
